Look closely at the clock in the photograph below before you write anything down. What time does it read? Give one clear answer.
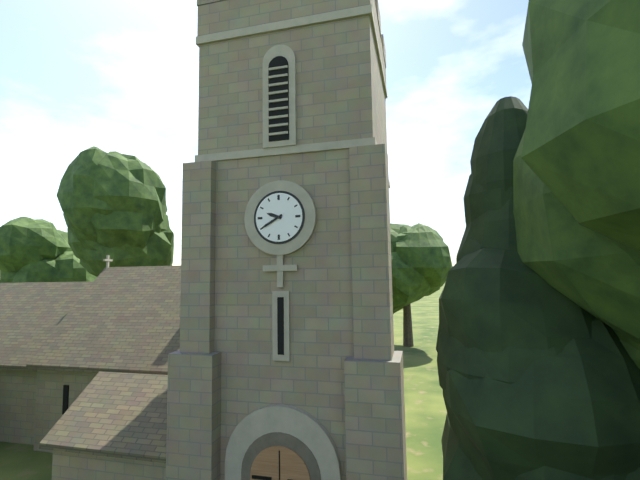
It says 9:40
